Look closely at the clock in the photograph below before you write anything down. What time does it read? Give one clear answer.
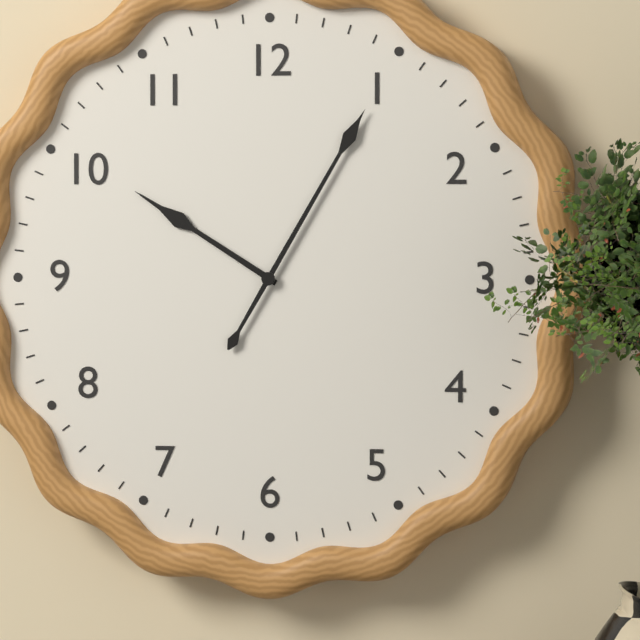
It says 10:05
